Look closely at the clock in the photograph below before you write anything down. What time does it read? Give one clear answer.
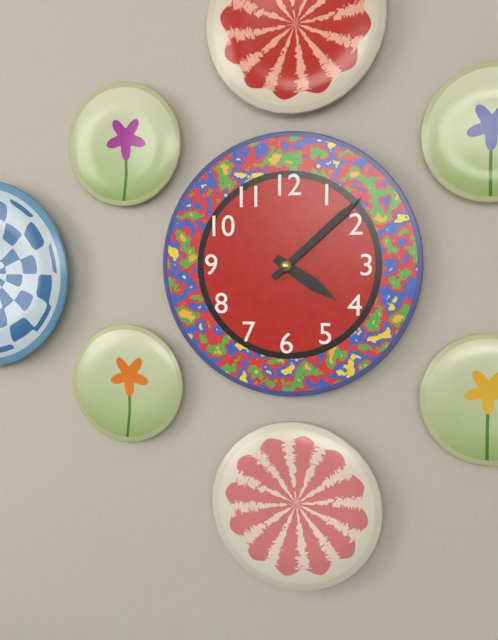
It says 4:08
